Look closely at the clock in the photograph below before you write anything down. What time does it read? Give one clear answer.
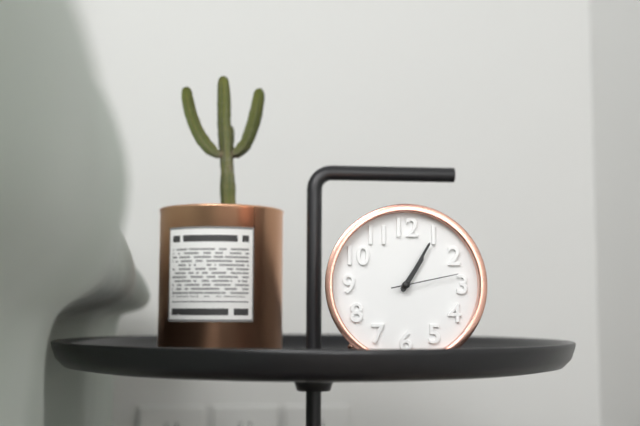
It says 1:05:13
